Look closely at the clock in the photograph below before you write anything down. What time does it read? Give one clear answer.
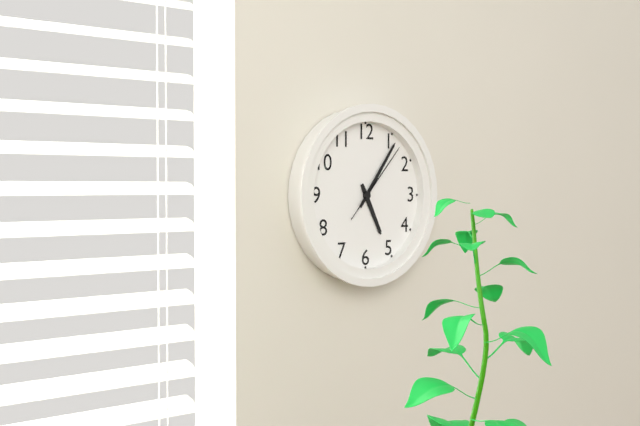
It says 5:06:07
